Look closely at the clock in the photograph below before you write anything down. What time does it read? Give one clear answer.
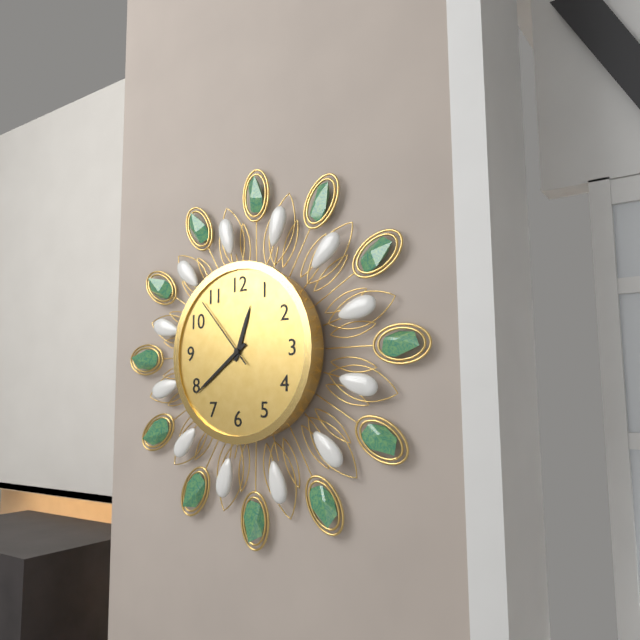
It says 12:39:53
